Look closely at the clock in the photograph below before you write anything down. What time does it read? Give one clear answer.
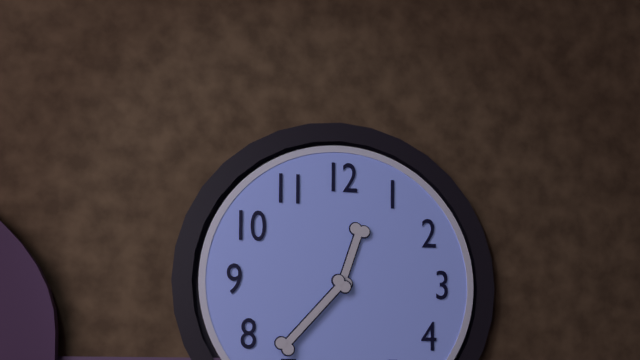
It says 12:37
